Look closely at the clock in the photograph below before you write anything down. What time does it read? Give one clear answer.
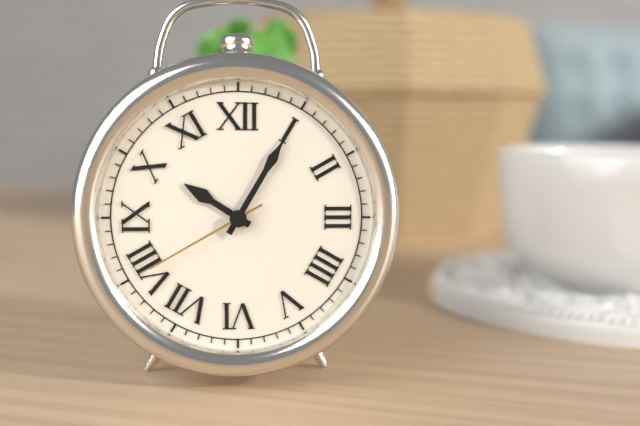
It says 10:05:40
